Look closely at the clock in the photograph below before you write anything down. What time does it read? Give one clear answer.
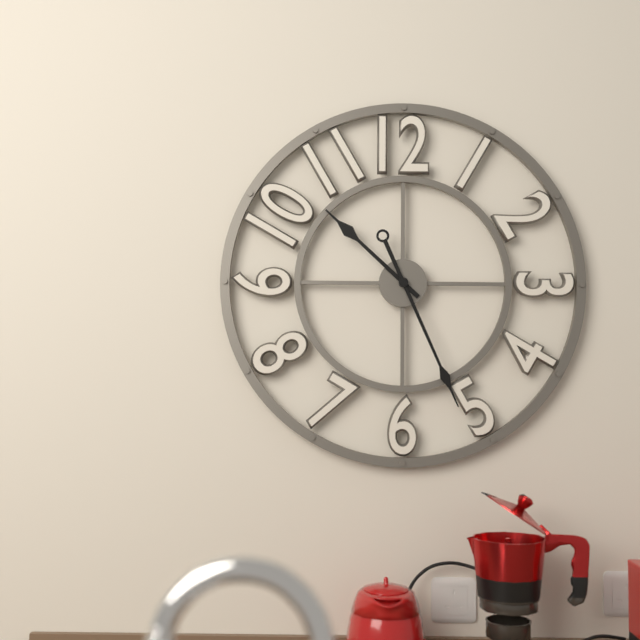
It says 10:26
